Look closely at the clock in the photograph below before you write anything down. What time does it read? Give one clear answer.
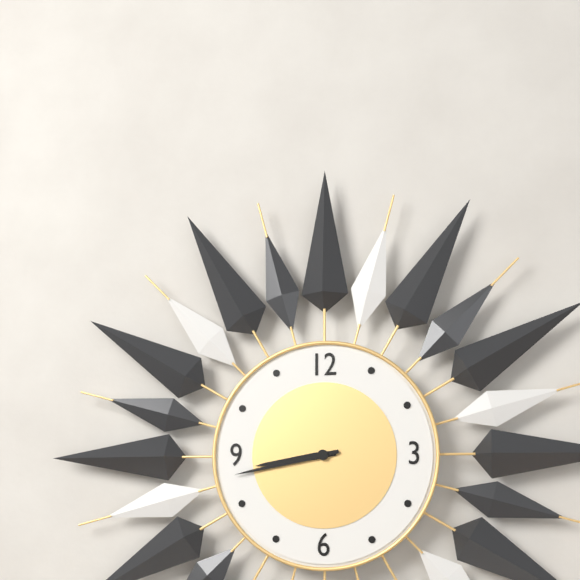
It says 8:43
